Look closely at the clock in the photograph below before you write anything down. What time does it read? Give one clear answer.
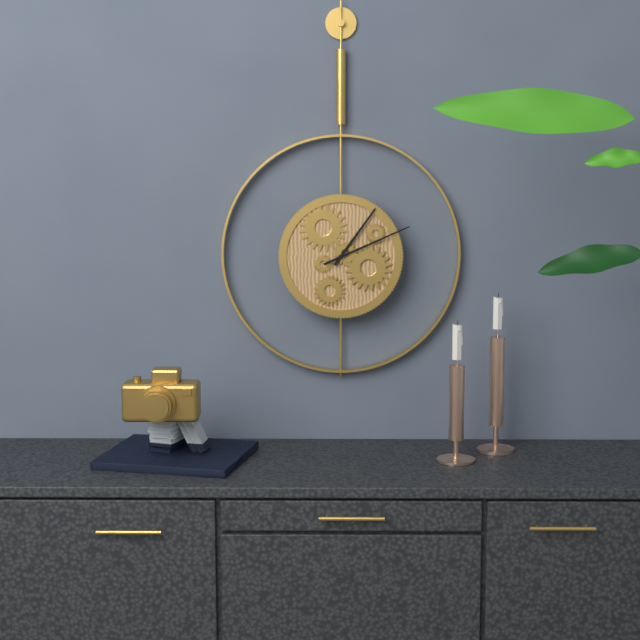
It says 1:11
